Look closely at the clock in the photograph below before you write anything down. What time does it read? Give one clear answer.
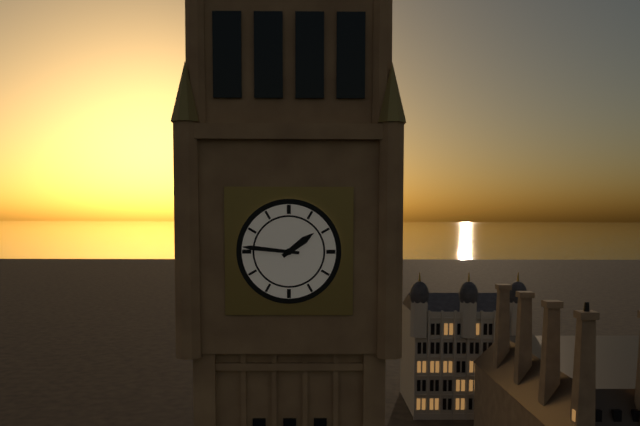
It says 1:46
